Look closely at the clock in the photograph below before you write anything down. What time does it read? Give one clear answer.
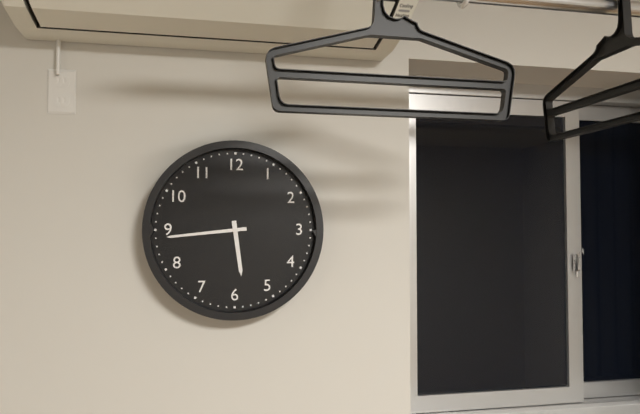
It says 5:44
